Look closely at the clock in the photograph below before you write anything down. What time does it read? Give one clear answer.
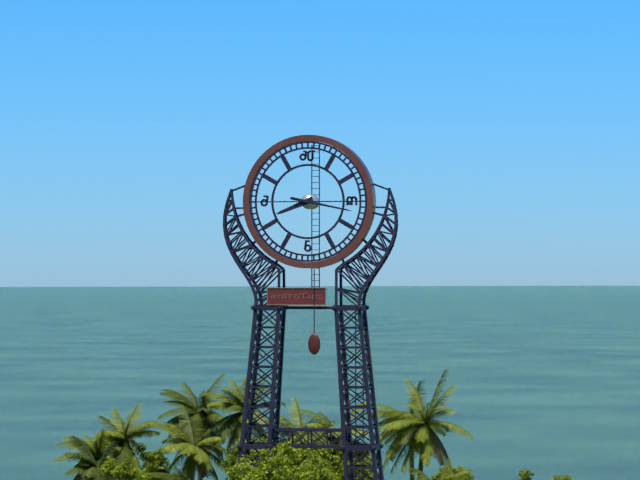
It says 8:17
